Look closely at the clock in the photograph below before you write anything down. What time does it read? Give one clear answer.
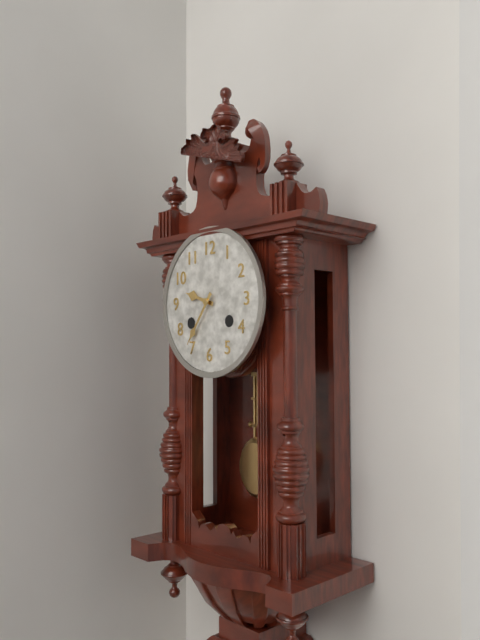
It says 9:36
